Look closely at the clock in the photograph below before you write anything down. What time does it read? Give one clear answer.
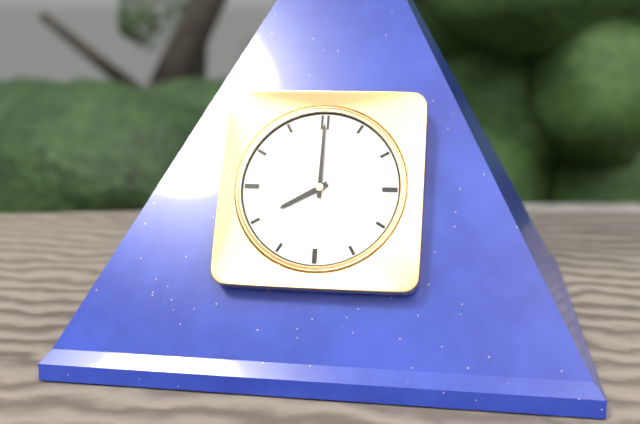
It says 8:00
